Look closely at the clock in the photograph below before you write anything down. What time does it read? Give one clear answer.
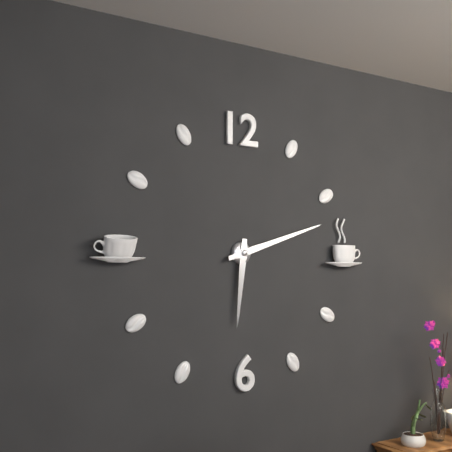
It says 6:12
